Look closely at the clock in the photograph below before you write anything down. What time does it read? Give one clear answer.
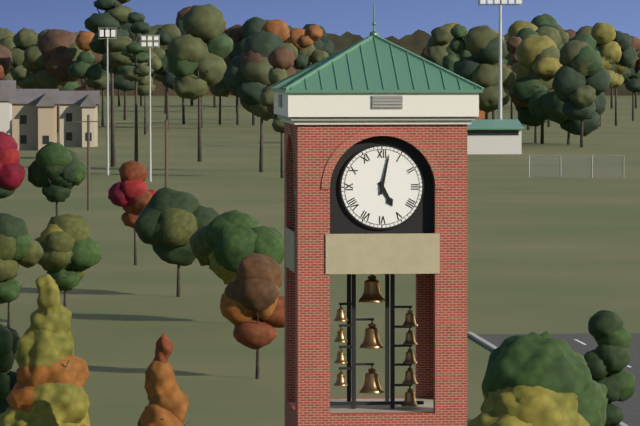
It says 5:02
